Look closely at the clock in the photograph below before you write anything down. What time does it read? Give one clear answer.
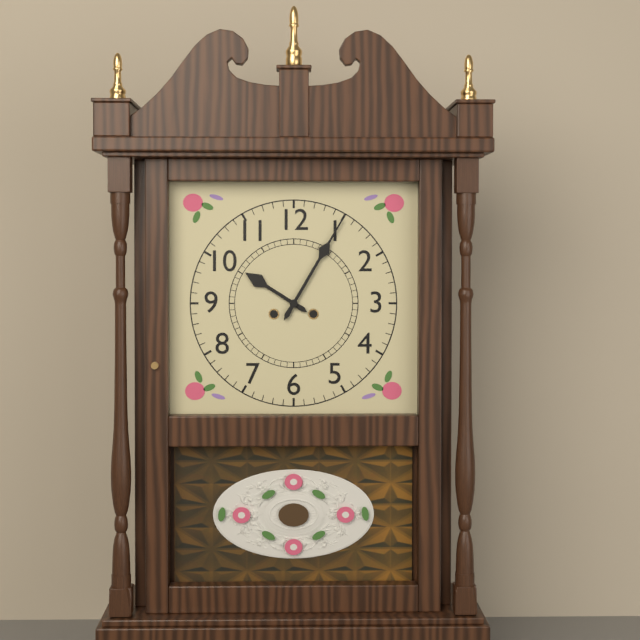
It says 10:05
